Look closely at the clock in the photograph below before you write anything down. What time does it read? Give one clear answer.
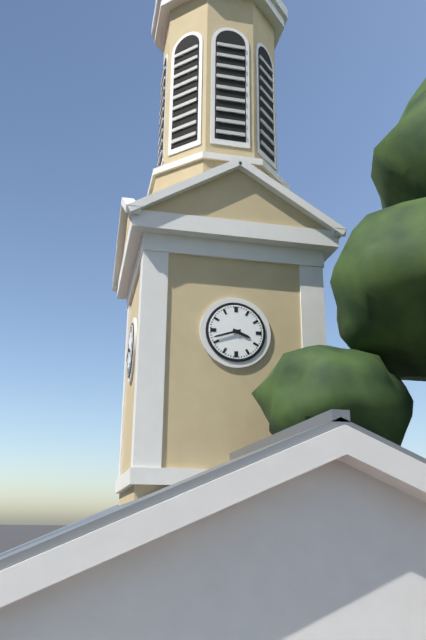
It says 3:42
